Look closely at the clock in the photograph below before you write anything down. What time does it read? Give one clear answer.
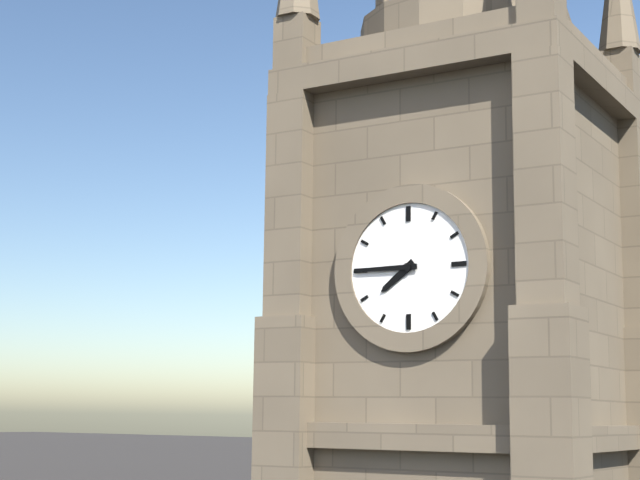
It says 7:45
